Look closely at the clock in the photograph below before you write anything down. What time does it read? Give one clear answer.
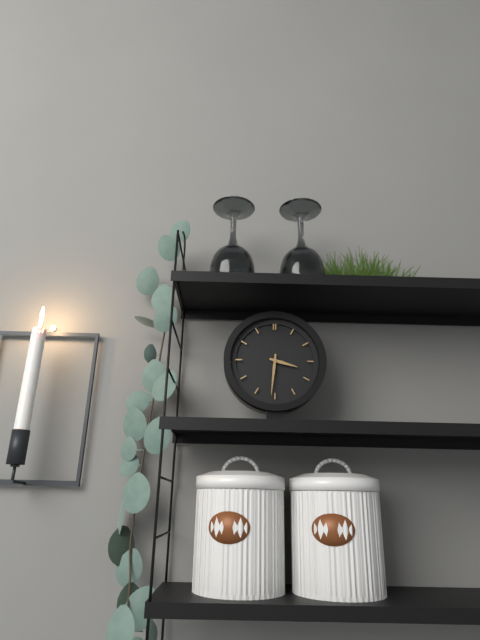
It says 3:31
